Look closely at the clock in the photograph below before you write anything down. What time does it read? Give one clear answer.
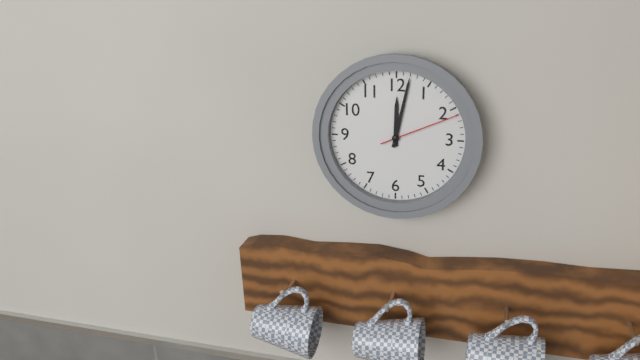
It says 12:02:11
